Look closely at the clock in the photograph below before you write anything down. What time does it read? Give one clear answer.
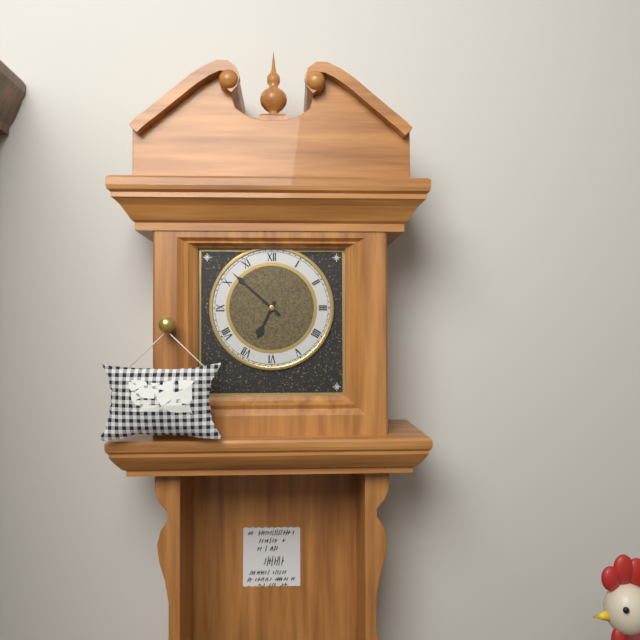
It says 6:52
